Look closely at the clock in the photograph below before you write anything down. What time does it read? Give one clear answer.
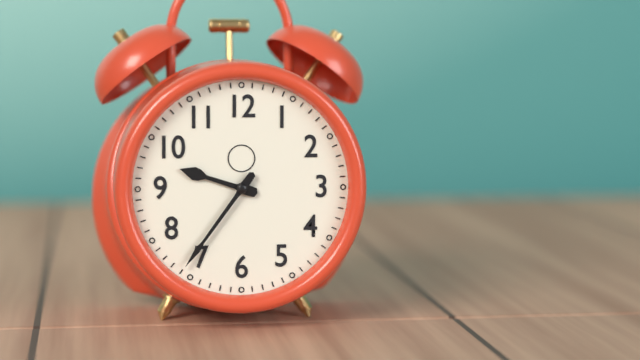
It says 9:36
